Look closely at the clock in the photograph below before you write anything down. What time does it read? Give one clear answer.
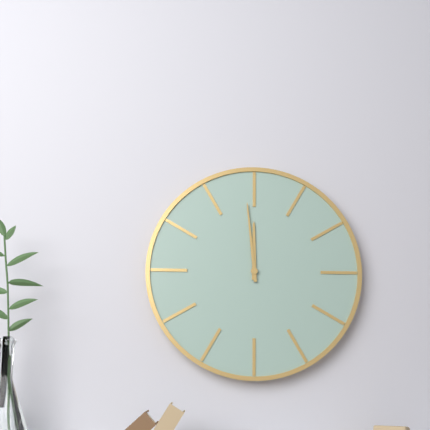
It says 11:59
